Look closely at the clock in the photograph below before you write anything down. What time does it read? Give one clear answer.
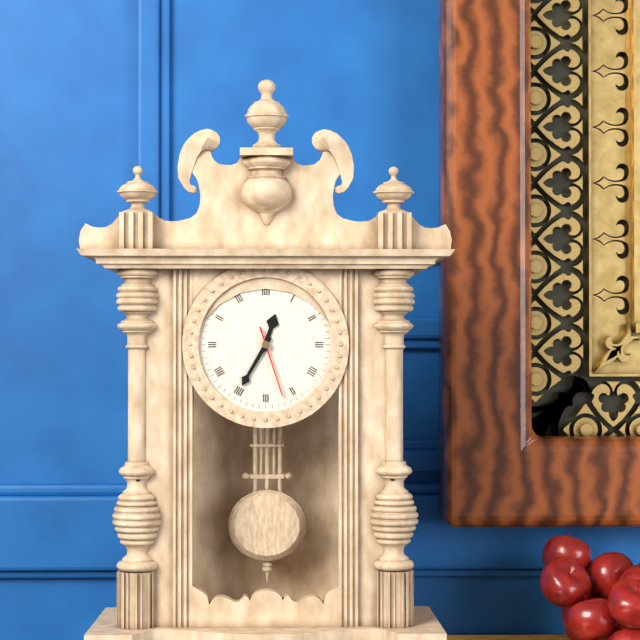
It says 12:35:27
